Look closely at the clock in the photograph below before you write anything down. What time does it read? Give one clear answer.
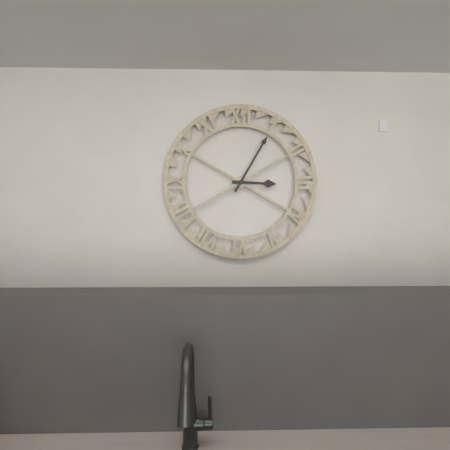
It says 3:05
